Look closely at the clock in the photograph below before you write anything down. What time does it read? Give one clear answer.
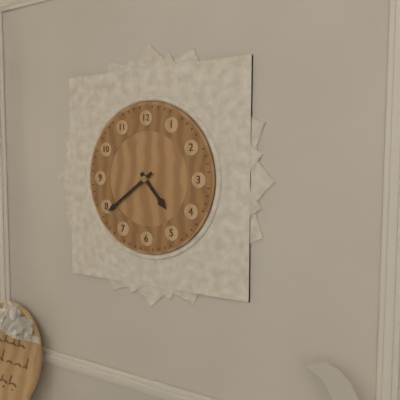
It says 4:39
